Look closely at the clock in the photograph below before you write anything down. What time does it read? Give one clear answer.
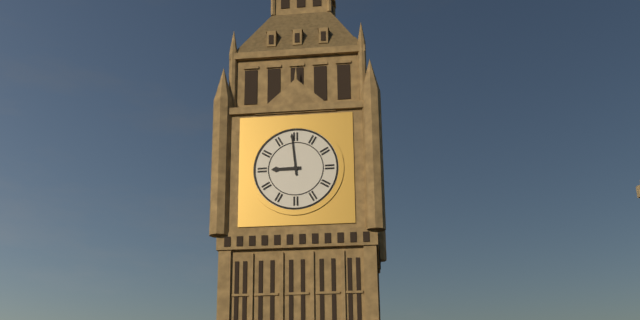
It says 8:59
